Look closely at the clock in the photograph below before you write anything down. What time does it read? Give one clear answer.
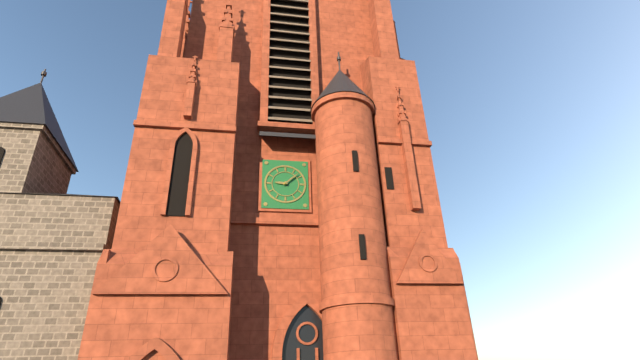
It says 9:08
